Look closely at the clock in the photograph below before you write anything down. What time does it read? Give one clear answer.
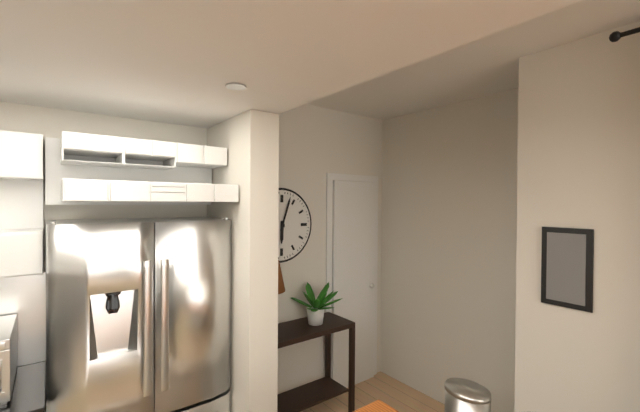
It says 6:03
